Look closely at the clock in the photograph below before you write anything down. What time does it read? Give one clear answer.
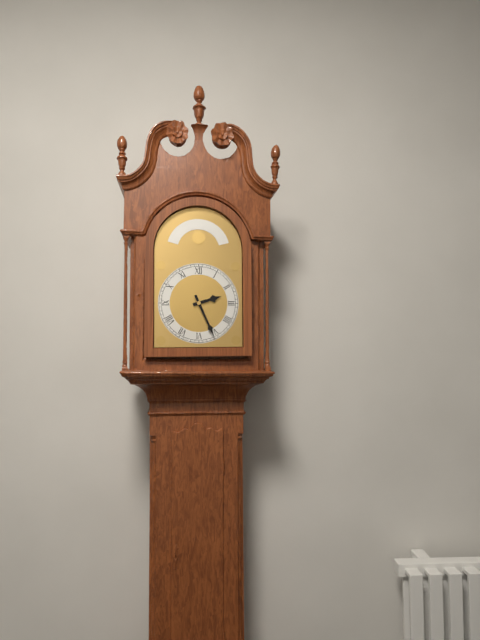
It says 2:26
